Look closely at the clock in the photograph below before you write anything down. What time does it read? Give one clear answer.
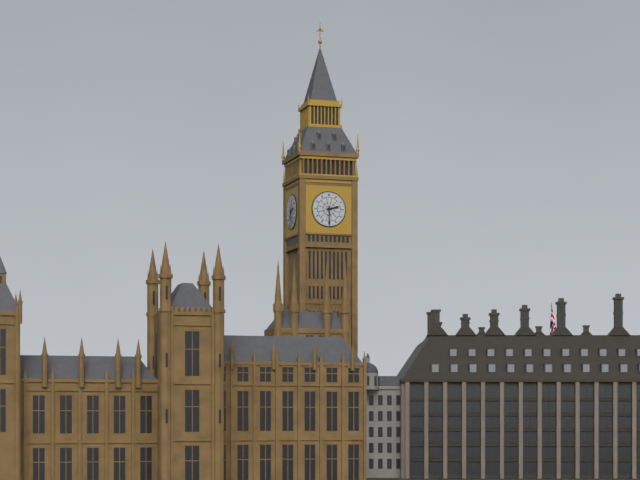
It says 2:30
